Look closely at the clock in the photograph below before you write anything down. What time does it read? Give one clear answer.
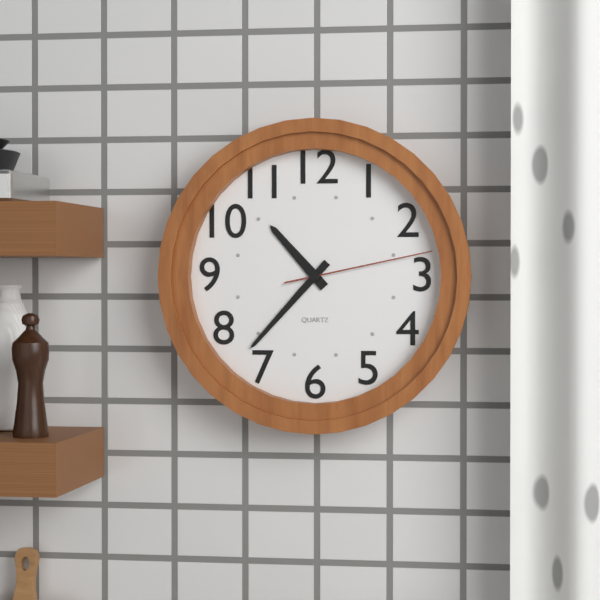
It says 10:37:13
